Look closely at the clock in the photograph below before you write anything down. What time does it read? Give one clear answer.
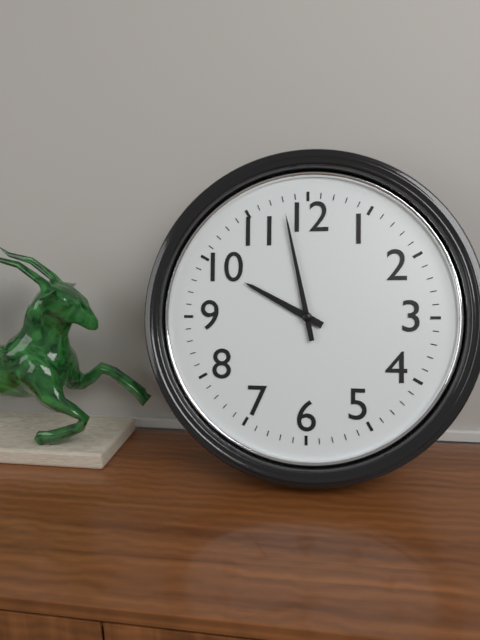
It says 9:58
